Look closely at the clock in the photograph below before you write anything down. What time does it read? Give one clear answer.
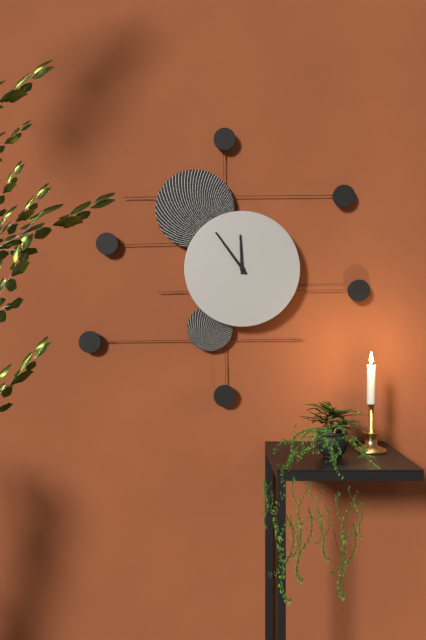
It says 11:54
